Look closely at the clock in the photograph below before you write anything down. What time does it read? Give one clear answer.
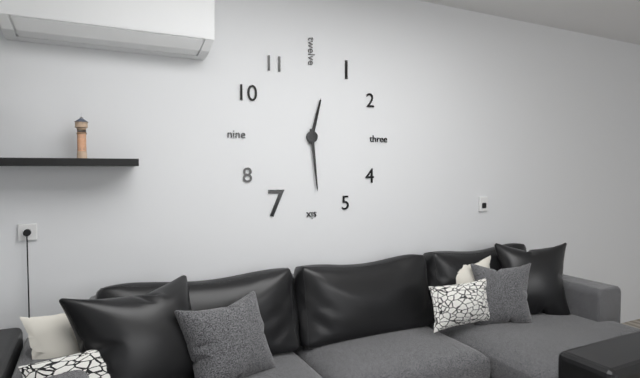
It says 12:29
